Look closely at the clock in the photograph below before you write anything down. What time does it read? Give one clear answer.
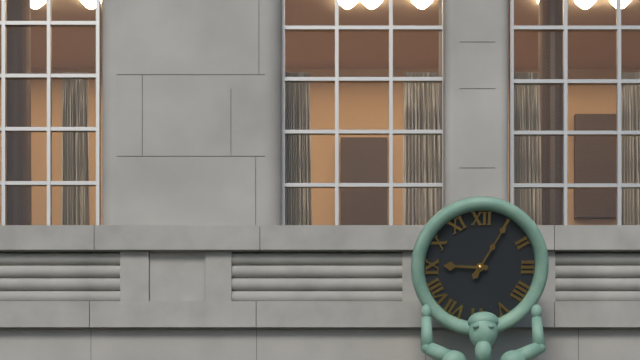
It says 9:05
